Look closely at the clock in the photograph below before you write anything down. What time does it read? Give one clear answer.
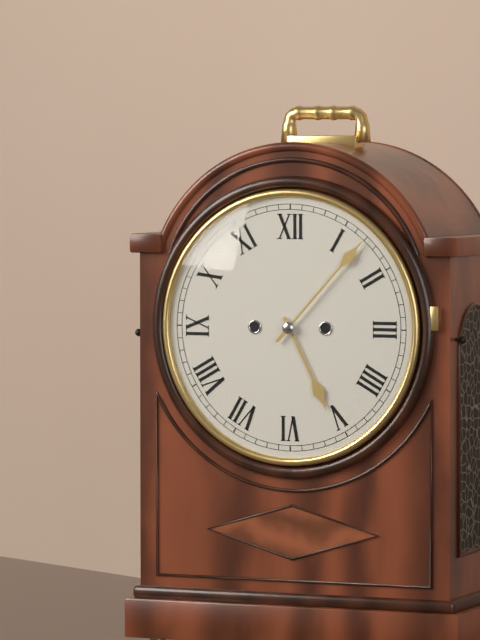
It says 5:07
